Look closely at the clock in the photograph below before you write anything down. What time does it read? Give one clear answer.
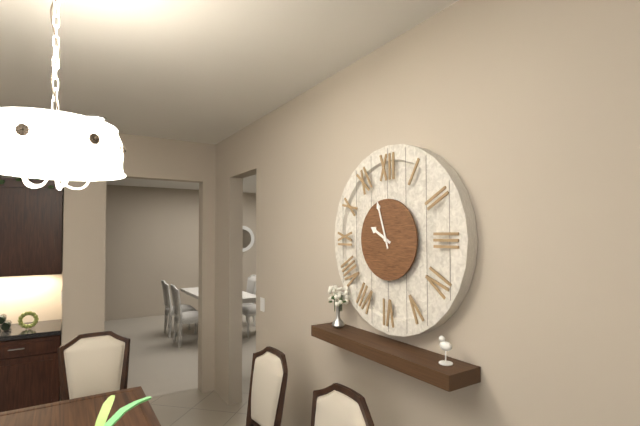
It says 9:57
